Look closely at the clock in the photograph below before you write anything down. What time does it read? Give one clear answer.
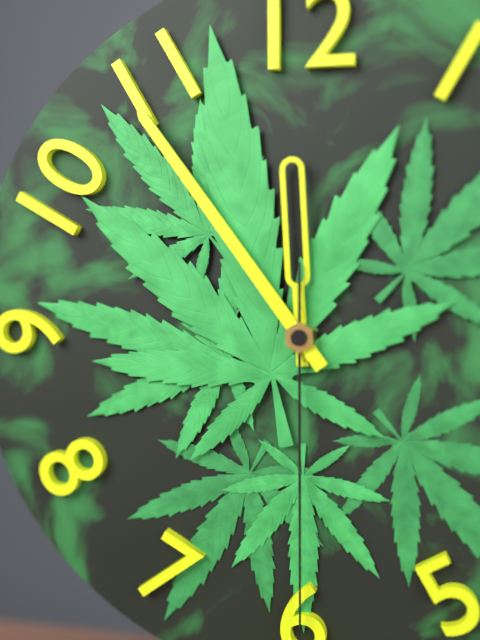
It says 11:54
